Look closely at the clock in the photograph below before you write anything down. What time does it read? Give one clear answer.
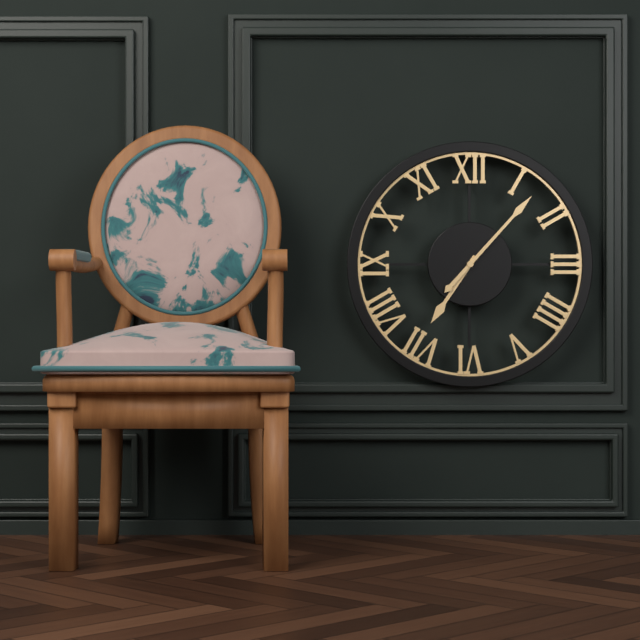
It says 7:07
